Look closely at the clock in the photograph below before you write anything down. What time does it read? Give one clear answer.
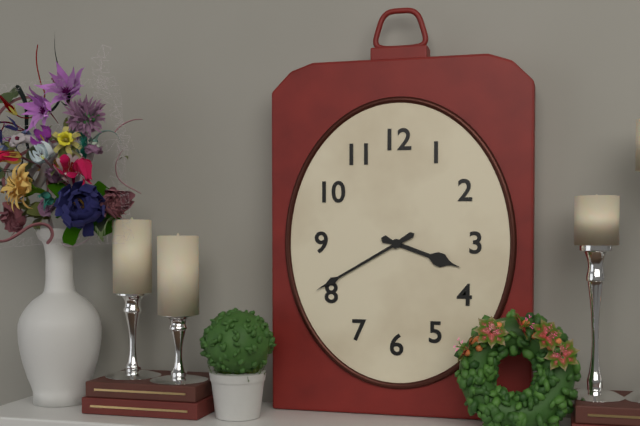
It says 3:40
